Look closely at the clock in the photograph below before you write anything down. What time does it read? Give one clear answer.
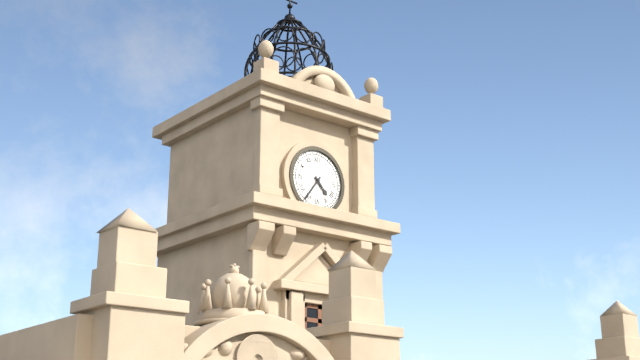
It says 4:36
